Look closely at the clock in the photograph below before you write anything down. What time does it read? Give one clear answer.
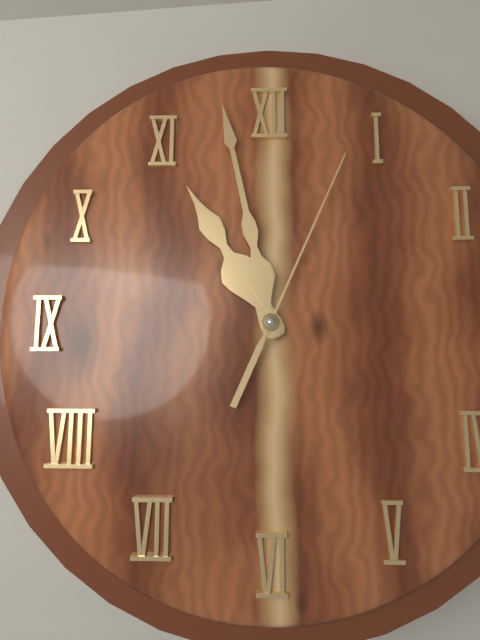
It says 10:58:04
